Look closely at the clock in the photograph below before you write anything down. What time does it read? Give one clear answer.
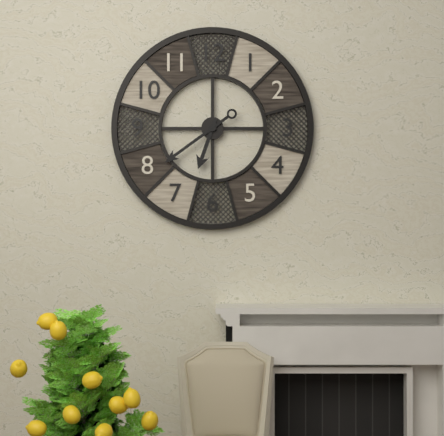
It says 6:39
